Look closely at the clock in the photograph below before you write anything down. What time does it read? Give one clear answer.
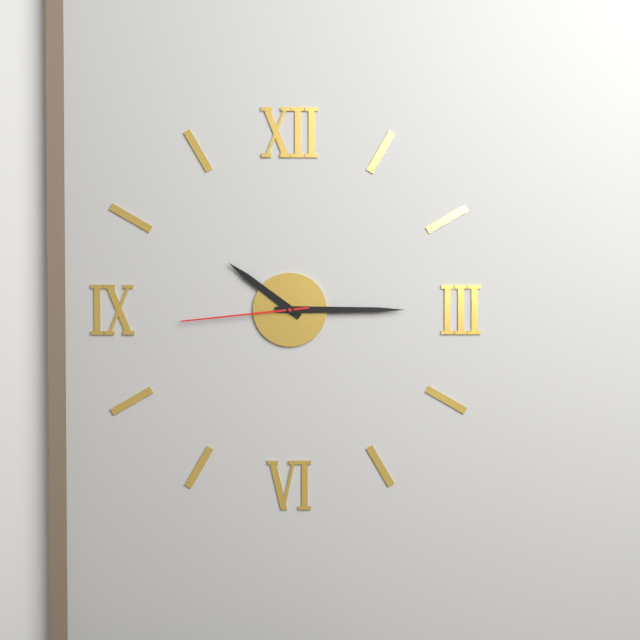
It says 10:15:44
